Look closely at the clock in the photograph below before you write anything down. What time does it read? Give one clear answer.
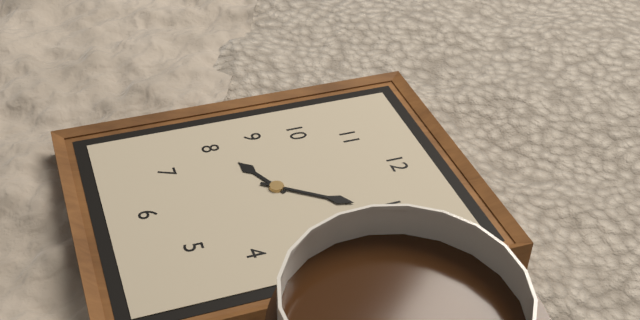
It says 8:06
